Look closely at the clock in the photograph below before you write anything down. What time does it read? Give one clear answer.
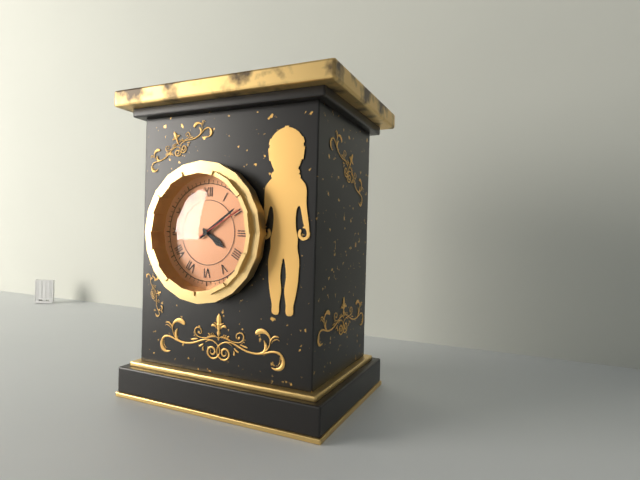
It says 4:09:10
